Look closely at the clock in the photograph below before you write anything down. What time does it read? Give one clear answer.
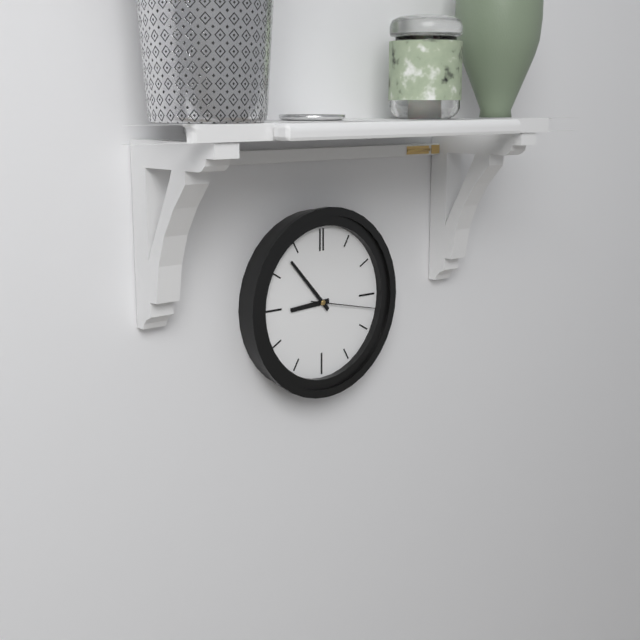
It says 8:53:17
